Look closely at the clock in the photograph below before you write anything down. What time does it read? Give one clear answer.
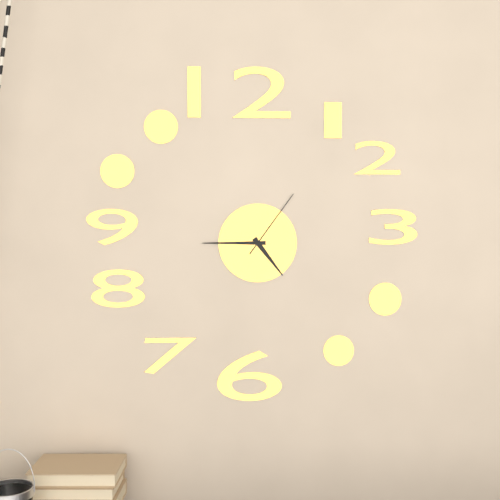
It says 4:45:06
